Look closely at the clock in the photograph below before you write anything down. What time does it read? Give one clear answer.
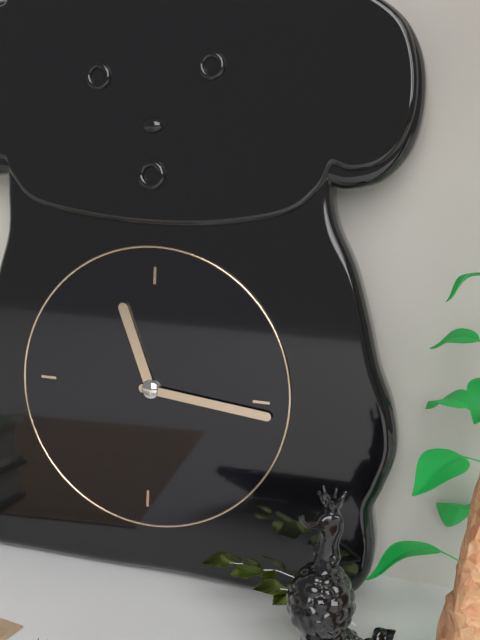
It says 11:16
